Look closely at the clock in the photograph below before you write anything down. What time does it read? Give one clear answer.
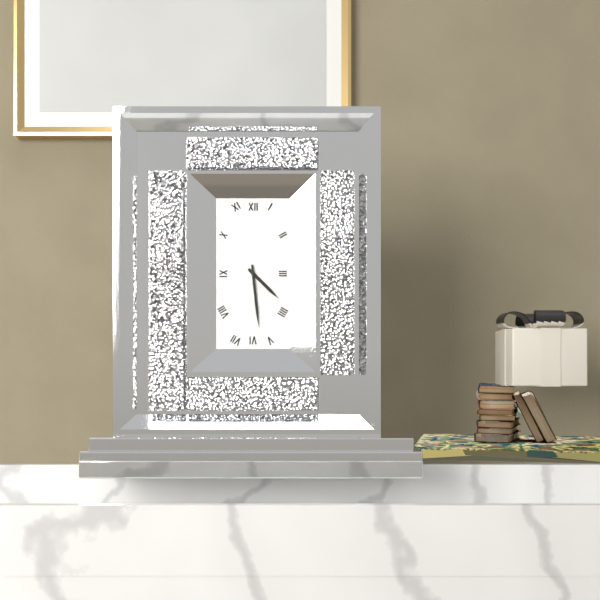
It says 4:29
